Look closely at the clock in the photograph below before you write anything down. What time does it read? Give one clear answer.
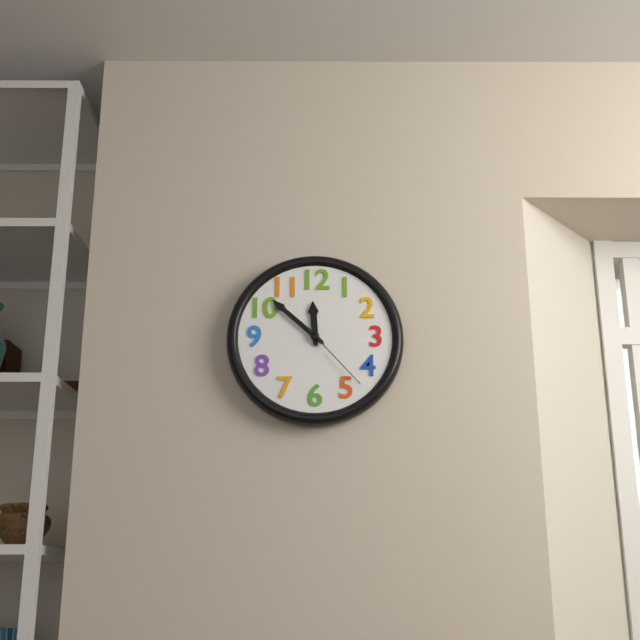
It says 11:52:23
